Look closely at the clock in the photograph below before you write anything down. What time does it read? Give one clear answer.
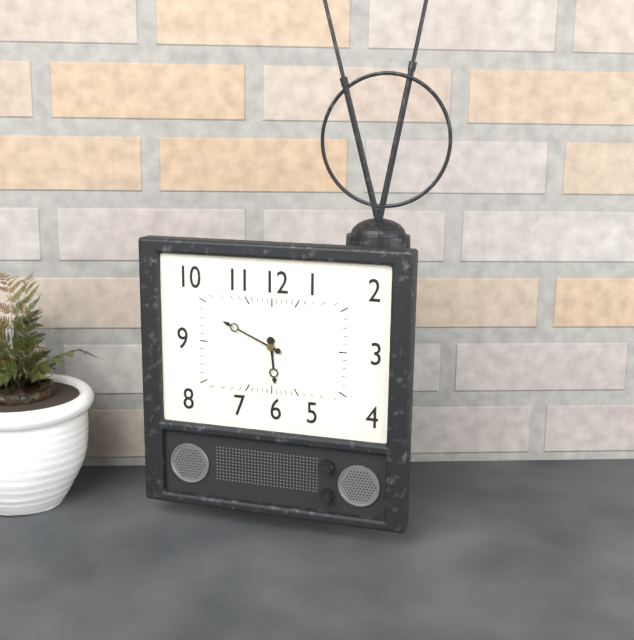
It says 5:49
